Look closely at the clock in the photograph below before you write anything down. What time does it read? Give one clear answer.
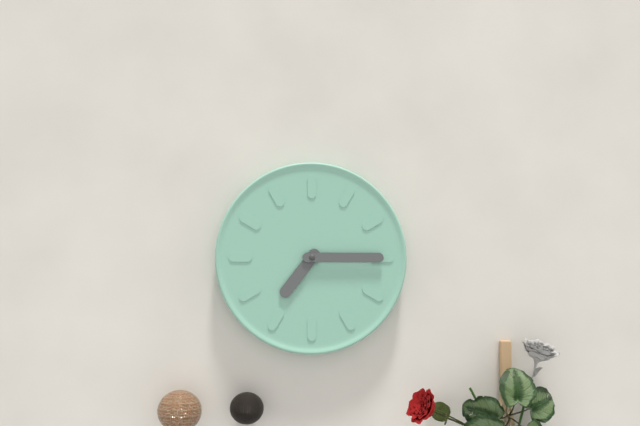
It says 7:15
